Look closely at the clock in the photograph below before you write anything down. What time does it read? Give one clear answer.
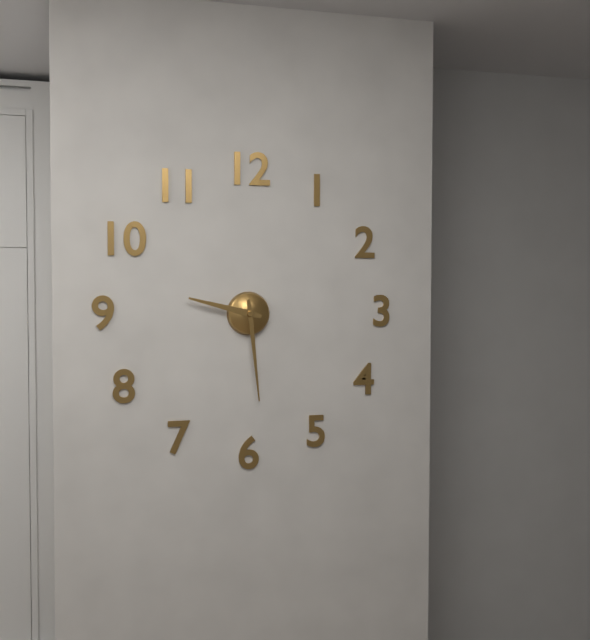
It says 9:29
